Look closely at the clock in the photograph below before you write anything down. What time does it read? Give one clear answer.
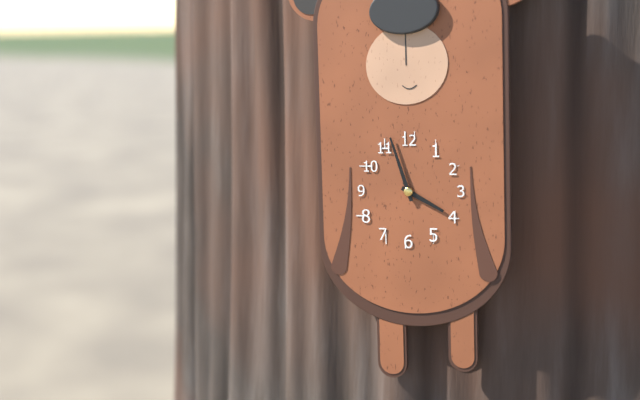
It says 3:57
